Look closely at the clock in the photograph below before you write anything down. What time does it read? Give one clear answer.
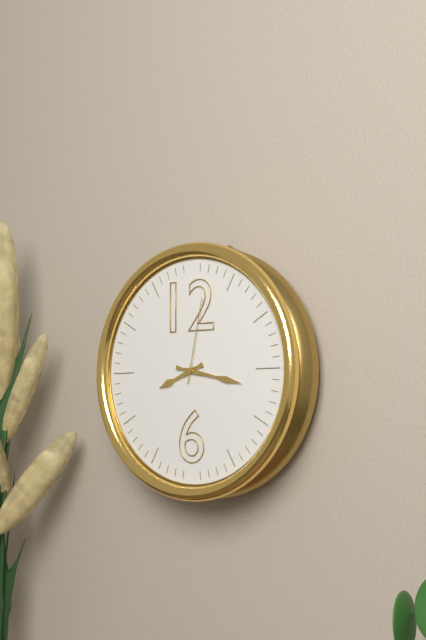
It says 8:17:02
